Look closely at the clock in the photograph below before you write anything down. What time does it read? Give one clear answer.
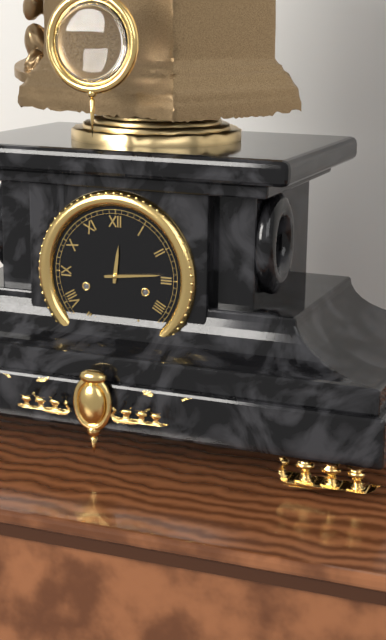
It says 12:14
